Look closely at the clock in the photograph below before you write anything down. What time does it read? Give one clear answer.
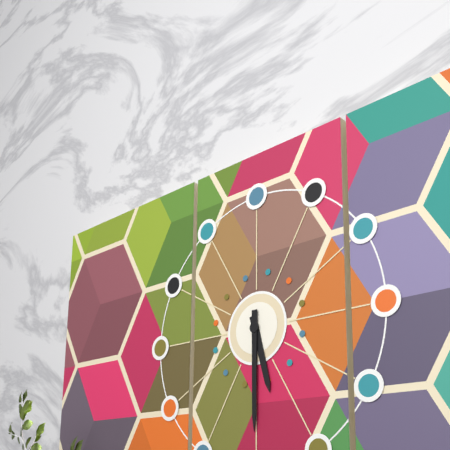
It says 5:30
